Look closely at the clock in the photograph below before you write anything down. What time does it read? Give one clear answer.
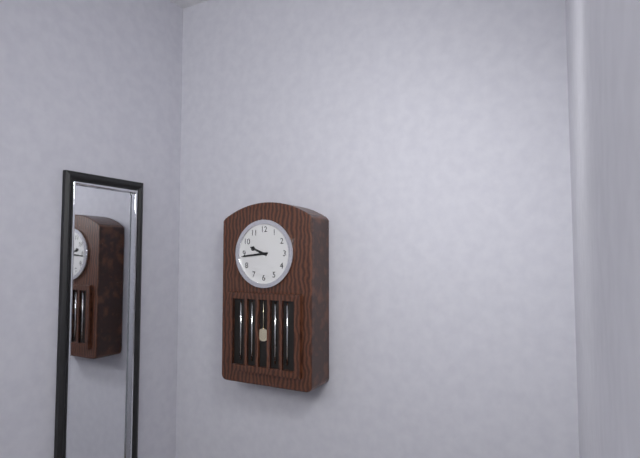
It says 9:44
